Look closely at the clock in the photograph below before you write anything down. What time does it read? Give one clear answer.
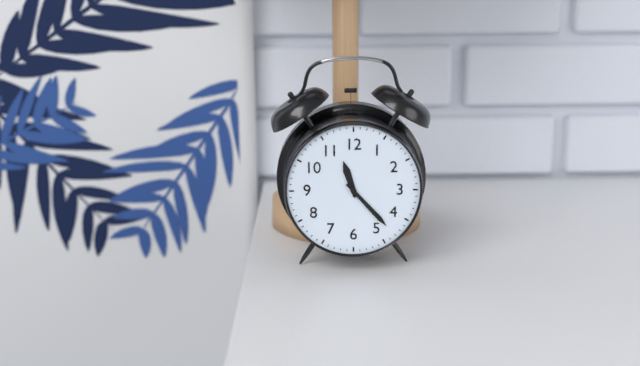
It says 11:23
